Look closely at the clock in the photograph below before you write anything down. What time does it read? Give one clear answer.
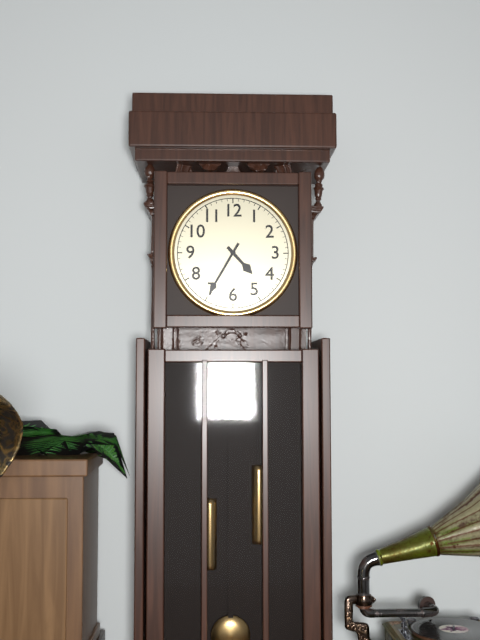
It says 4:35
